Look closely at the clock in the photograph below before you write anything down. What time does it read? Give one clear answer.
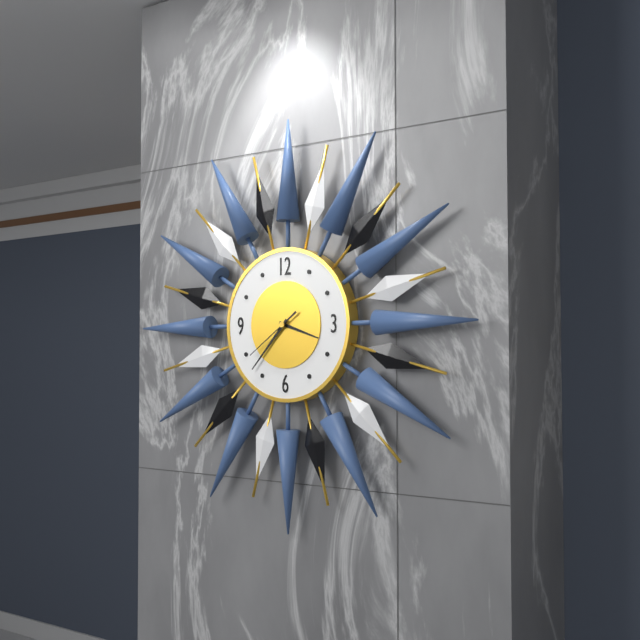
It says 3:37:39
